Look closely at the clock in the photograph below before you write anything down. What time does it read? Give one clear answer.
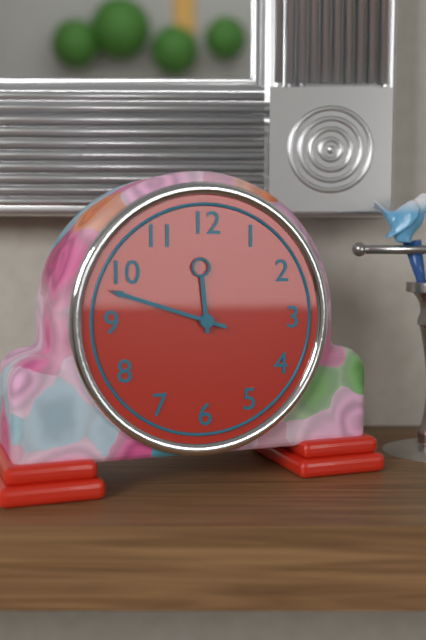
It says 11:48
